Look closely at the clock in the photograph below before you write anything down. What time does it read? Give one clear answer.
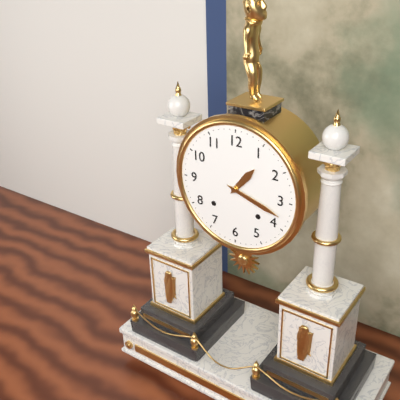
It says 1:18
